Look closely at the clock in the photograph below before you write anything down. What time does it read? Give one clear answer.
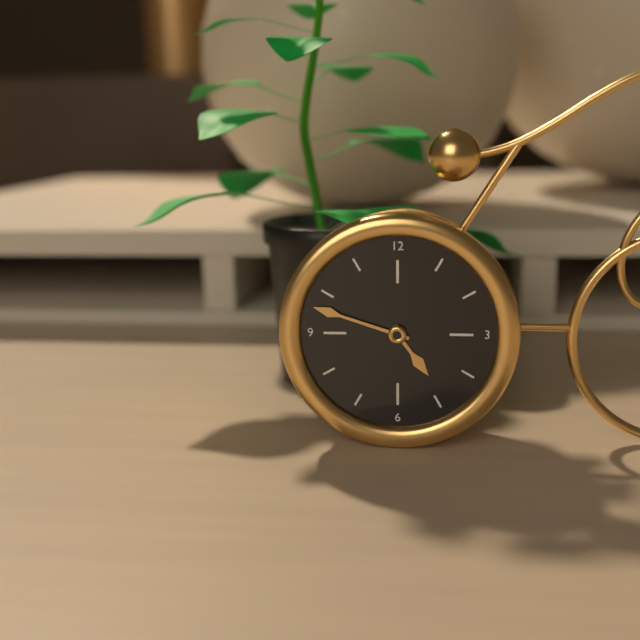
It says 4:48
